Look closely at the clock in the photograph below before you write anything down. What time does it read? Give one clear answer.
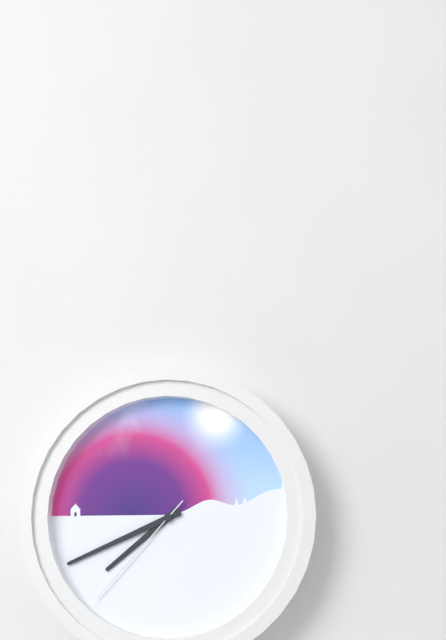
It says 7:41:37
